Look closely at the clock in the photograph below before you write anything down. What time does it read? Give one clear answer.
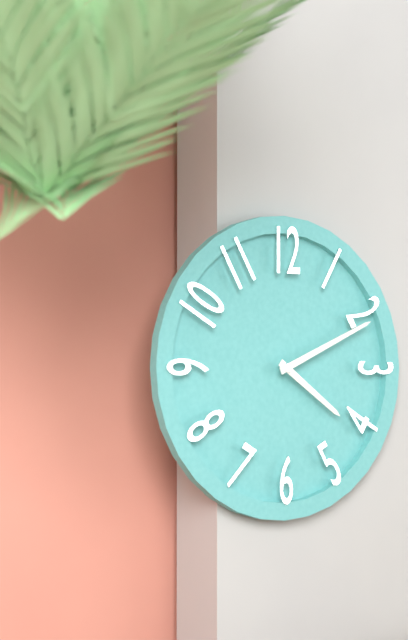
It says 4:11
